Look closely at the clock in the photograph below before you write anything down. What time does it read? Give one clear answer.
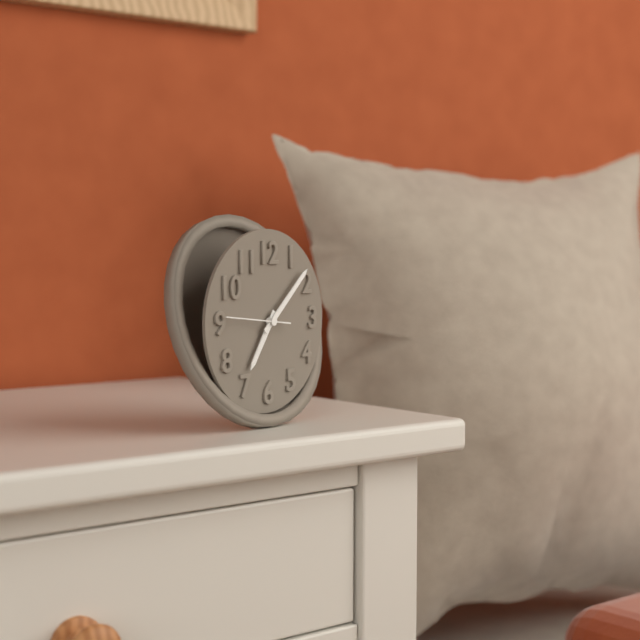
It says 7:08:46
